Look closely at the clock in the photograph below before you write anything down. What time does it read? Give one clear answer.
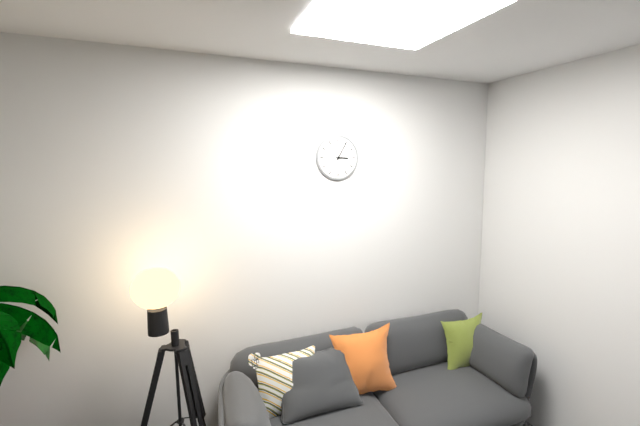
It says 3:05
